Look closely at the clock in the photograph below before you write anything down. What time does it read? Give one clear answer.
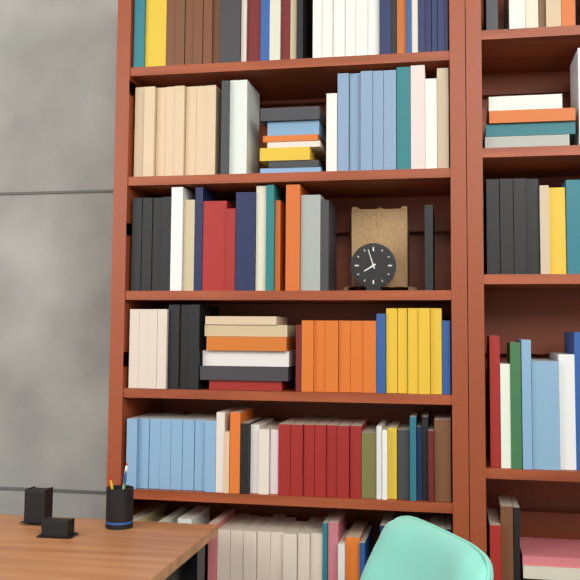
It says 7:57
